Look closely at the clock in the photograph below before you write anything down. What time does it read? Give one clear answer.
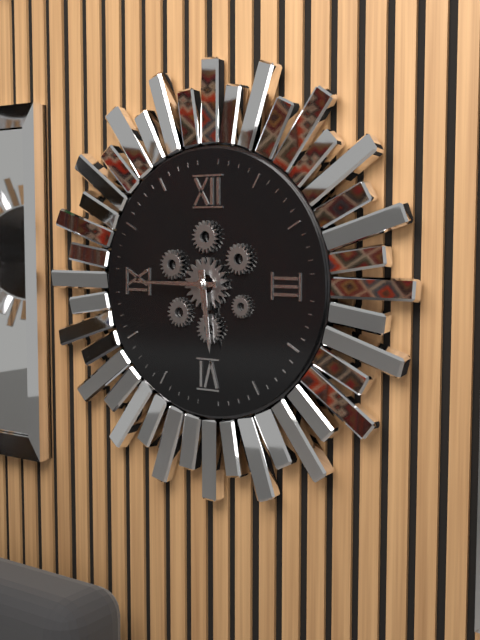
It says 5:45
